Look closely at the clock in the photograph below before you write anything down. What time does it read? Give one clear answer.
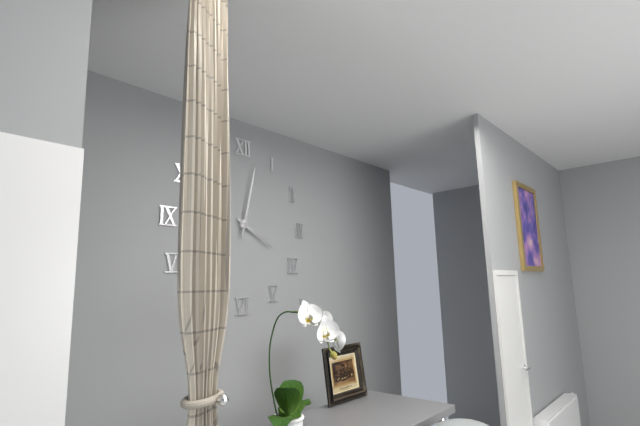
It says 4:02
